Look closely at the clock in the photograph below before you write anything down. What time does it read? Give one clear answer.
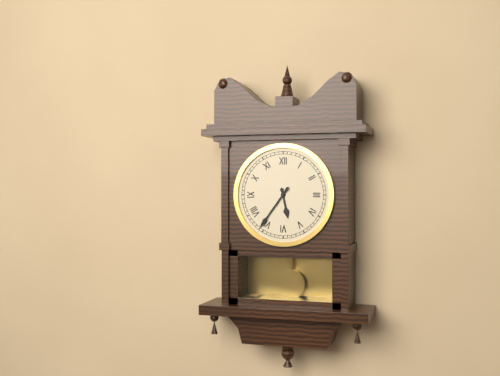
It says 5:36
